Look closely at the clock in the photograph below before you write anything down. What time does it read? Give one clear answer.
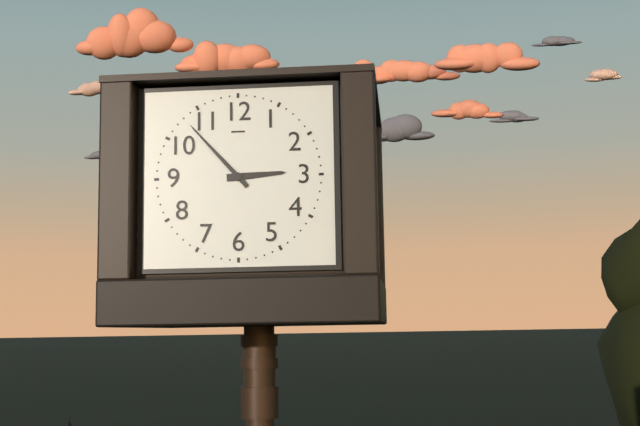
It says 2:53
